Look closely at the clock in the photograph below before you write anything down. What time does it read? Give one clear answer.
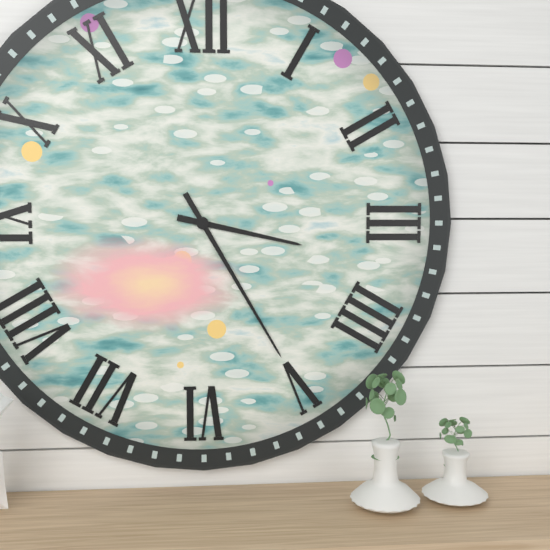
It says 3:25
